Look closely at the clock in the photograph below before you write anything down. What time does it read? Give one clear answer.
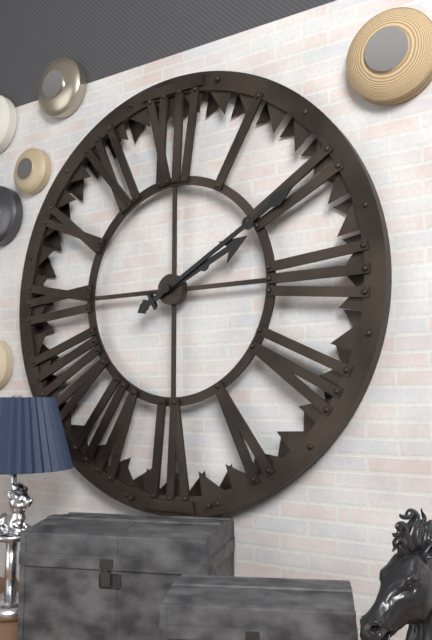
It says 2:10
